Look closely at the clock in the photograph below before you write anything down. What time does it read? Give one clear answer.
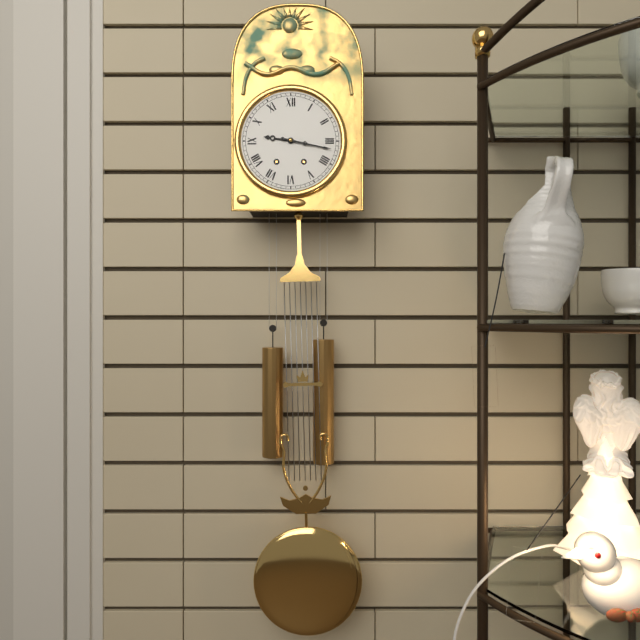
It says 9:17
